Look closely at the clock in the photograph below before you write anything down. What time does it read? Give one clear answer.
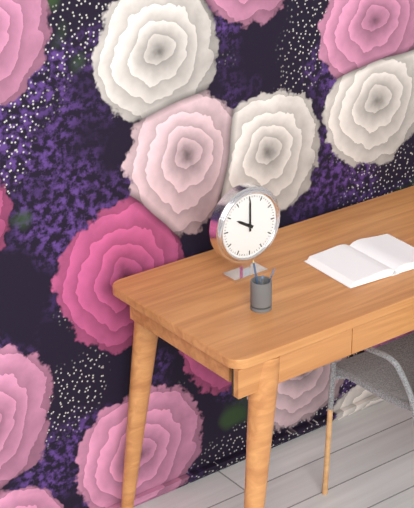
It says 10:00
